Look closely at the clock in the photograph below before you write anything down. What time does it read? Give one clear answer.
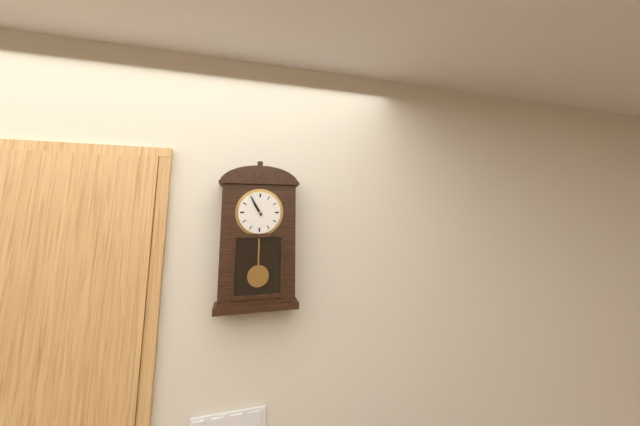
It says 10:55
